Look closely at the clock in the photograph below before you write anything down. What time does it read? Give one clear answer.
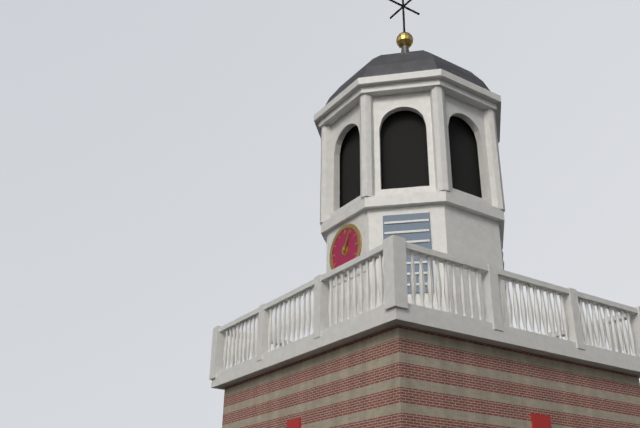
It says 1:05
